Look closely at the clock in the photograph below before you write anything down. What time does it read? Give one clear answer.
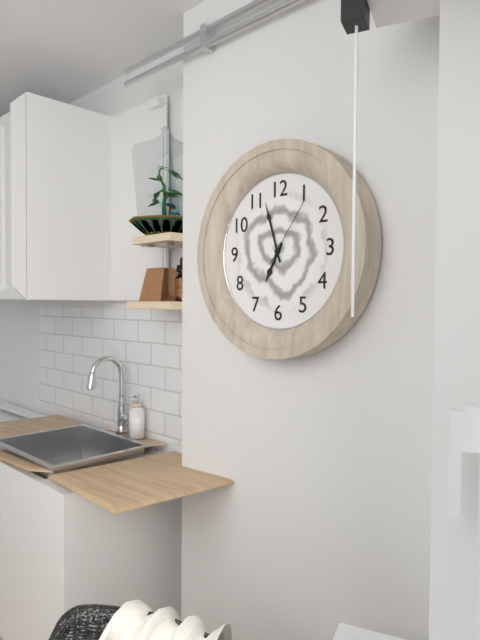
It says 6:57:06
